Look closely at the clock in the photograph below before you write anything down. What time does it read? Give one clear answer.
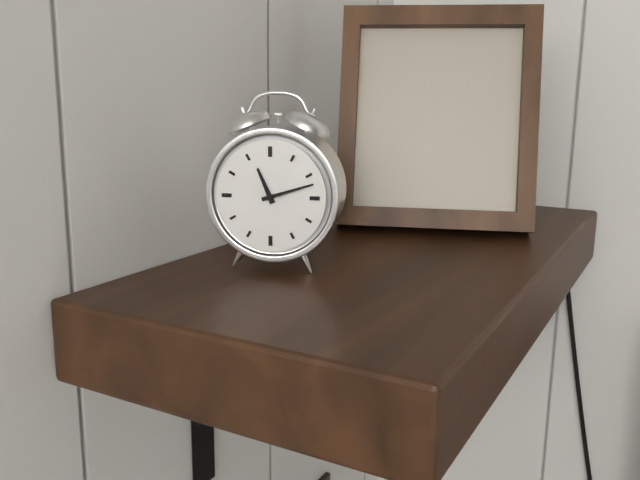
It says 11:12
